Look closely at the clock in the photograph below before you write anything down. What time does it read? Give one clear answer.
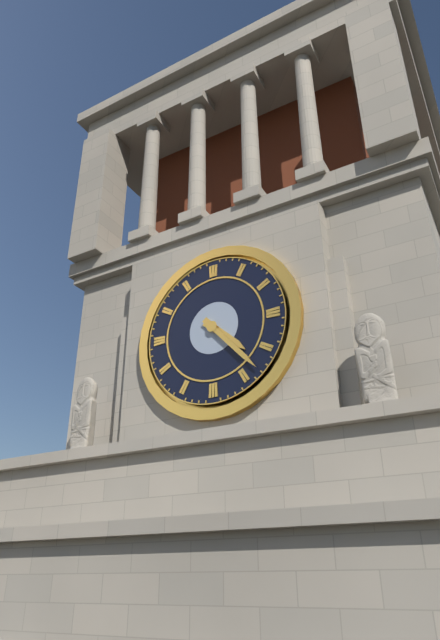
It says 4:23
